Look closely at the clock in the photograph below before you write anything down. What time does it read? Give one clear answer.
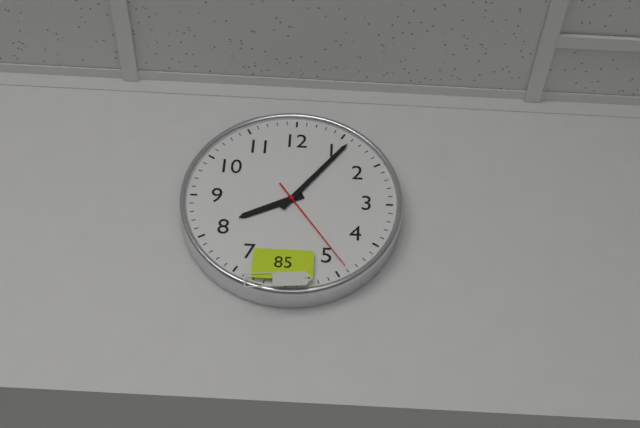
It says 8:06:24
